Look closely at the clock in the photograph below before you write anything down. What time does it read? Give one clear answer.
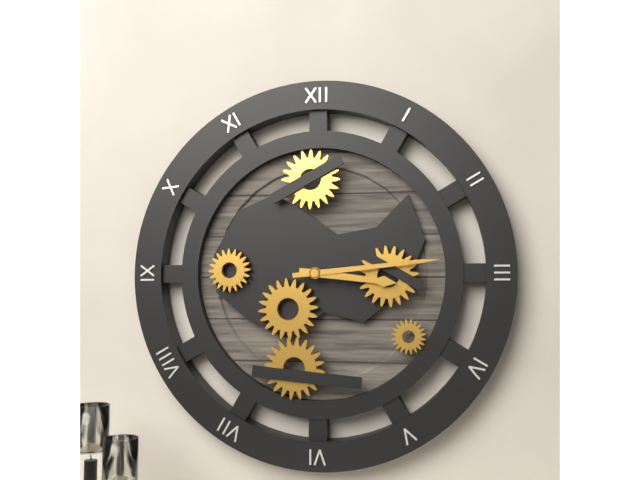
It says 3:14
